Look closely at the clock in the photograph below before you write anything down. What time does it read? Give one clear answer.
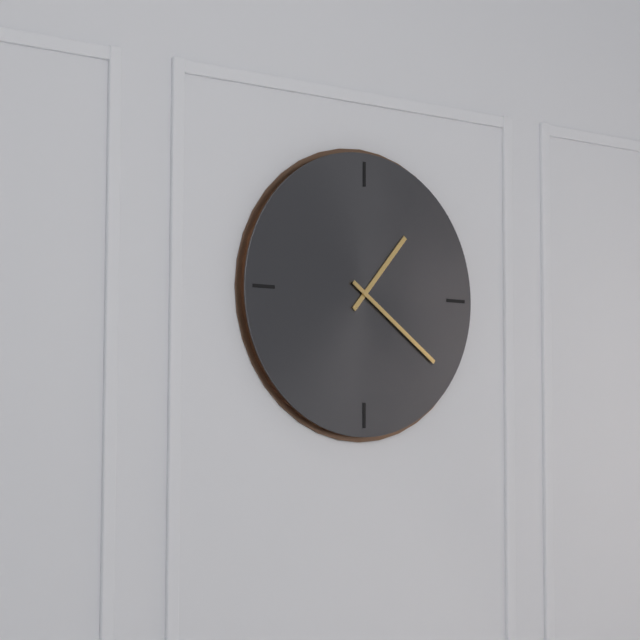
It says 1:21
